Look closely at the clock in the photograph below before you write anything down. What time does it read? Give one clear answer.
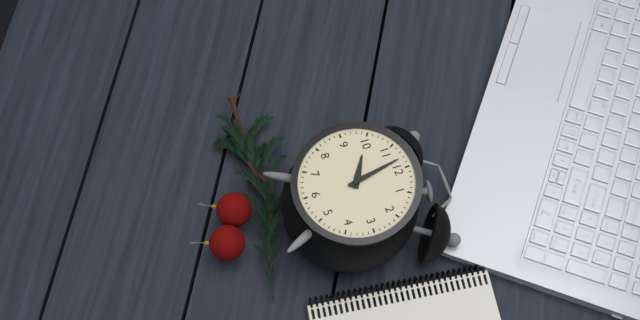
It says 9:58
